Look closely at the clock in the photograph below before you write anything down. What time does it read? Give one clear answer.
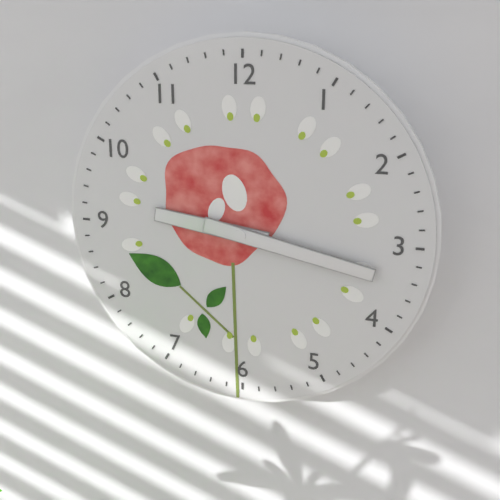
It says 9:17
